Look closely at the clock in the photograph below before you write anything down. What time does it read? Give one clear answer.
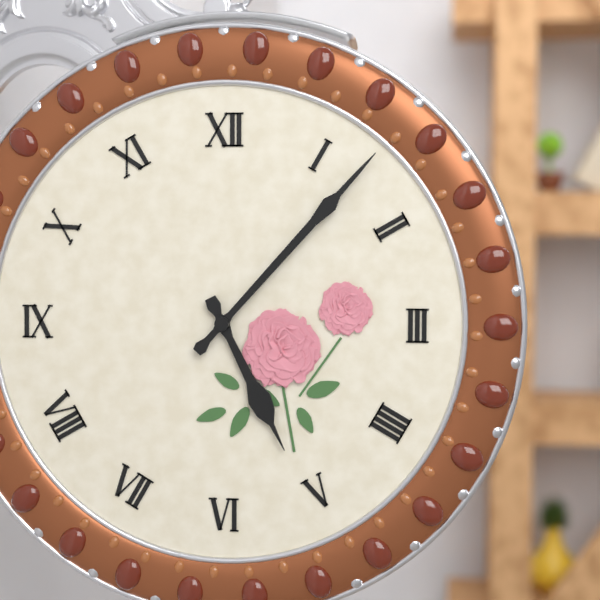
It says 5:07
